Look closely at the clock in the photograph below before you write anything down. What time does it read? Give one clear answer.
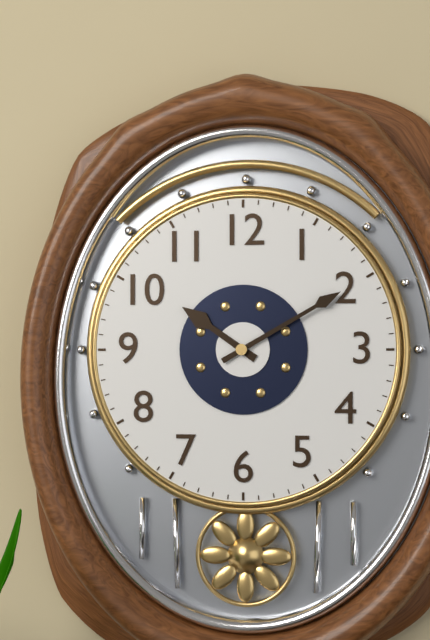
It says 10:10
